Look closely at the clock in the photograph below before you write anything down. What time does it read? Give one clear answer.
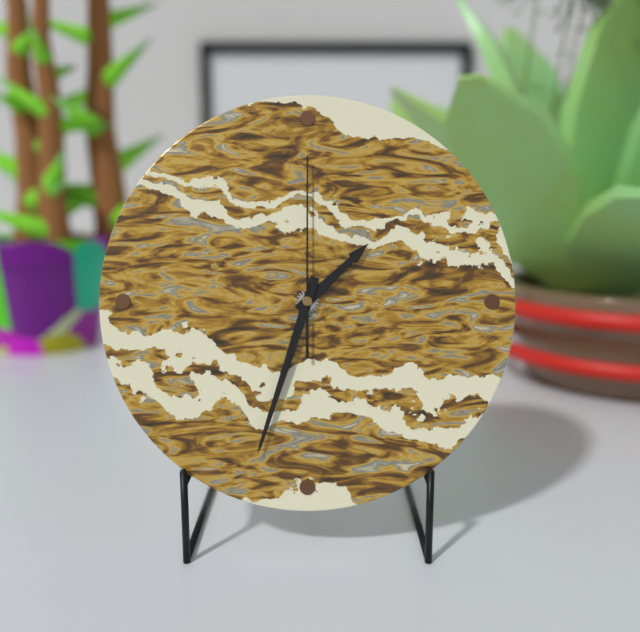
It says 1:33:00
